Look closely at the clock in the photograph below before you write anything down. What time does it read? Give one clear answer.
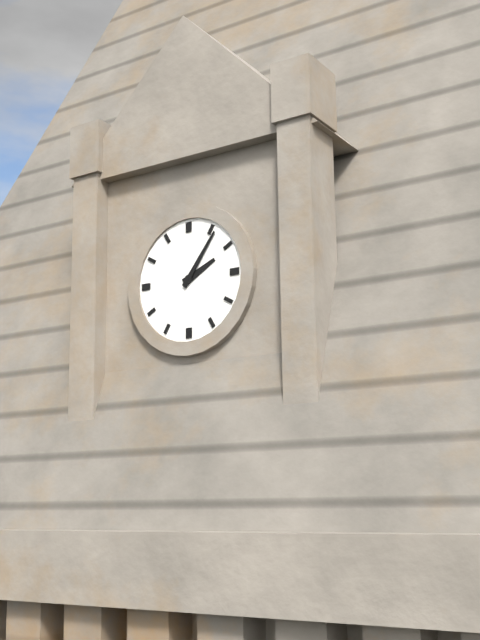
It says 2:06
